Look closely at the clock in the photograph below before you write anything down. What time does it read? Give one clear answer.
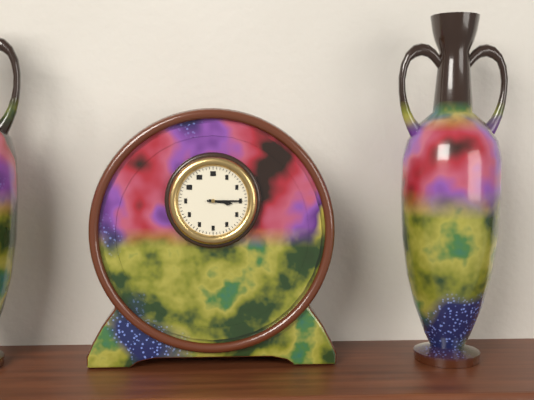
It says 3:15
